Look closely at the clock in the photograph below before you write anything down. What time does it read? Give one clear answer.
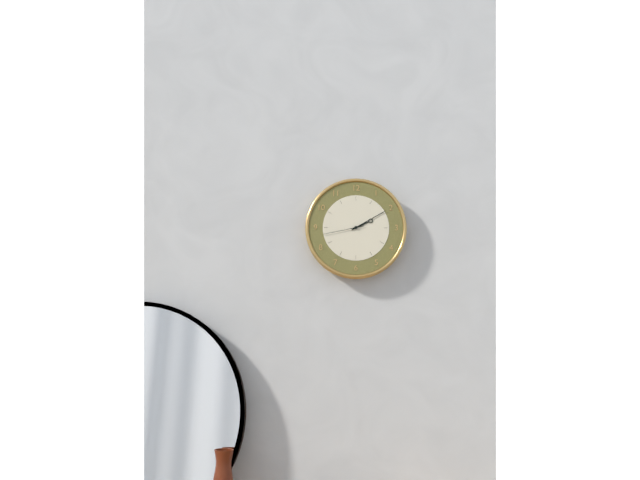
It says 2:10
